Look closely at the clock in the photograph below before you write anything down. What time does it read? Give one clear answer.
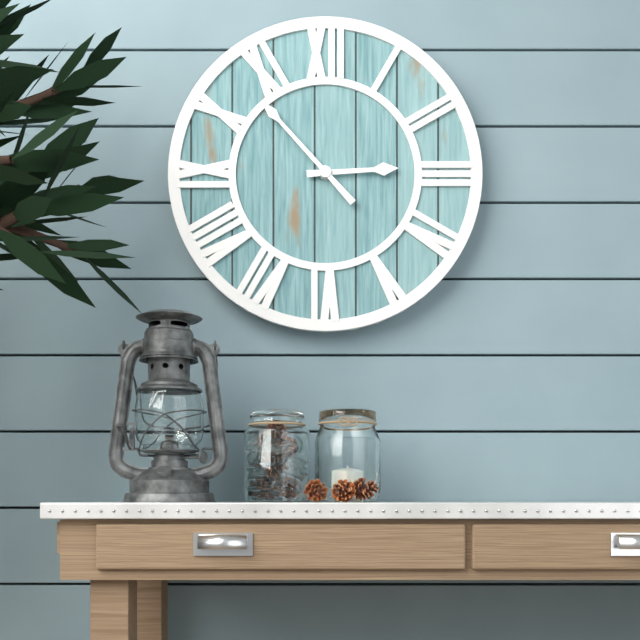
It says 2:53
